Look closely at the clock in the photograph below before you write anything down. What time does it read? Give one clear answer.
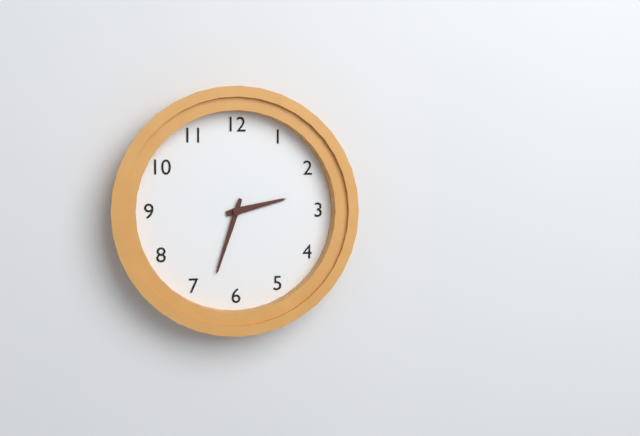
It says 2:33
